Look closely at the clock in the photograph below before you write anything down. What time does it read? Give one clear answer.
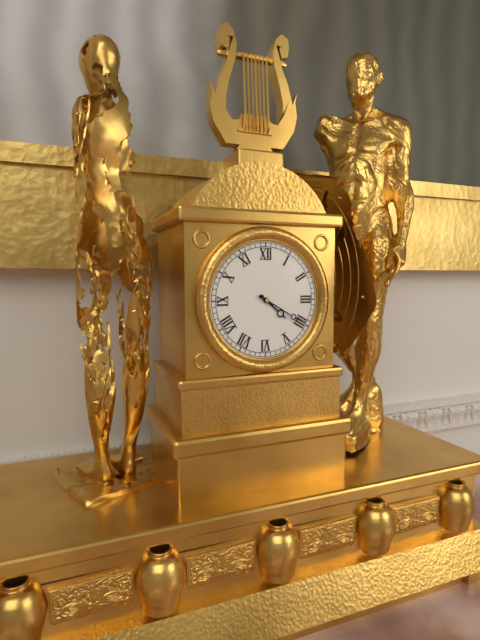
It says 4:20
